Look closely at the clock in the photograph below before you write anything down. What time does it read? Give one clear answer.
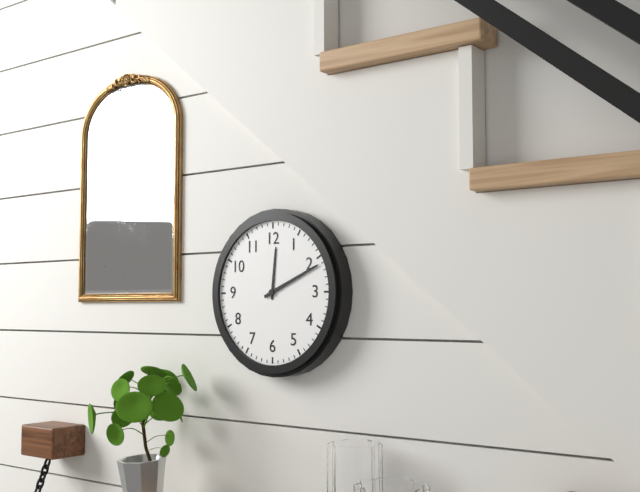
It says 12:11
